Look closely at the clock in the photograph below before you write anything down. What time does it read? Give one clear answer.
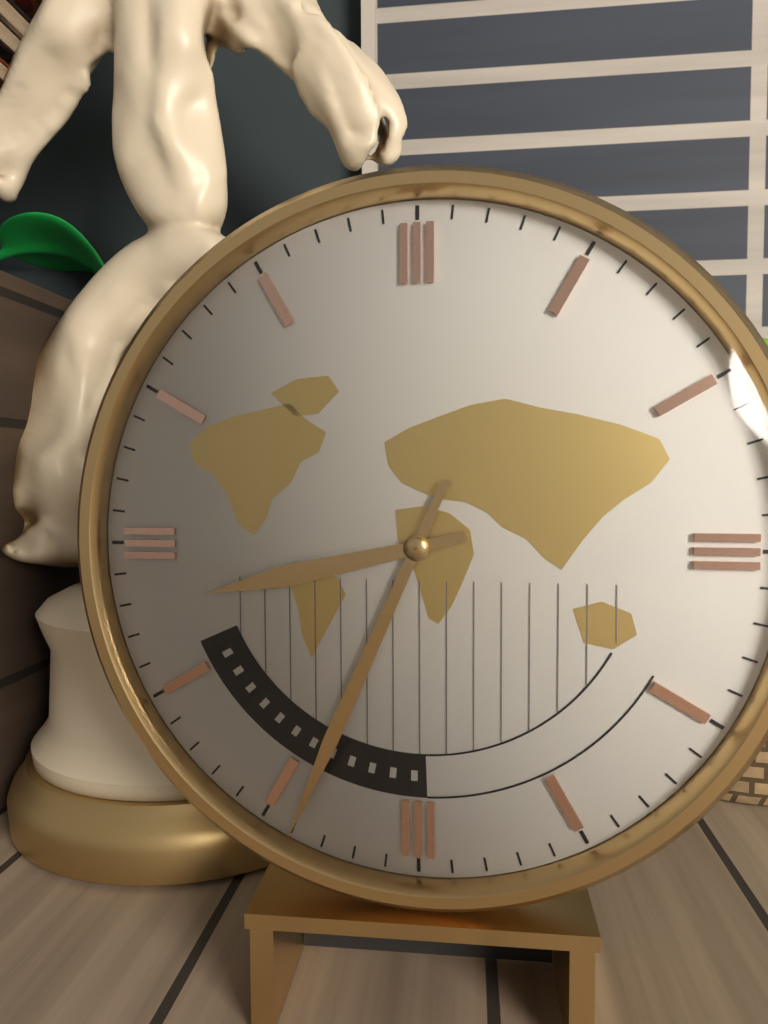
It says 8:34
